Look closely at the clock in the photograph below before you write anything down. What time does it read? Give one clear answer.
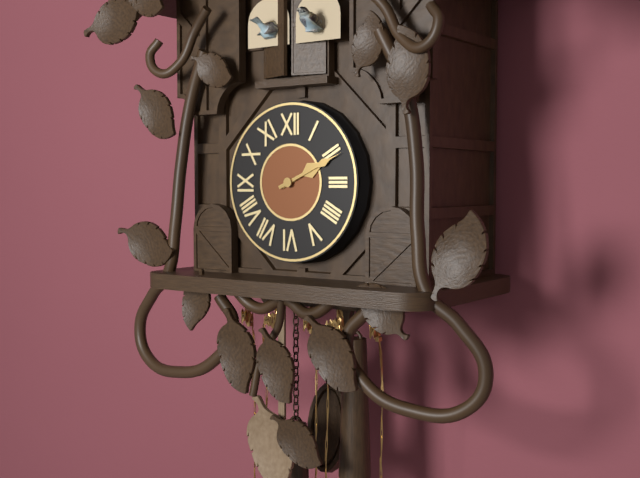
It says 2:11
